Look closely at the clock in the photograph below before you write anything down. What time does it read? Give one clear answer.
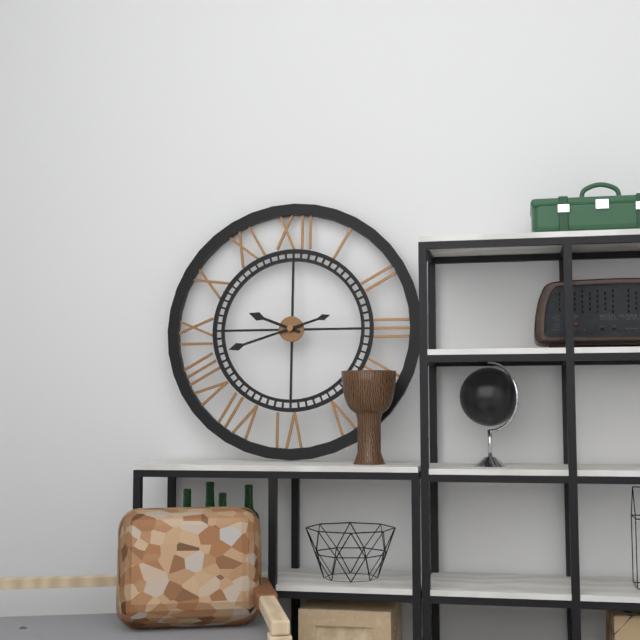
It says 9:42
